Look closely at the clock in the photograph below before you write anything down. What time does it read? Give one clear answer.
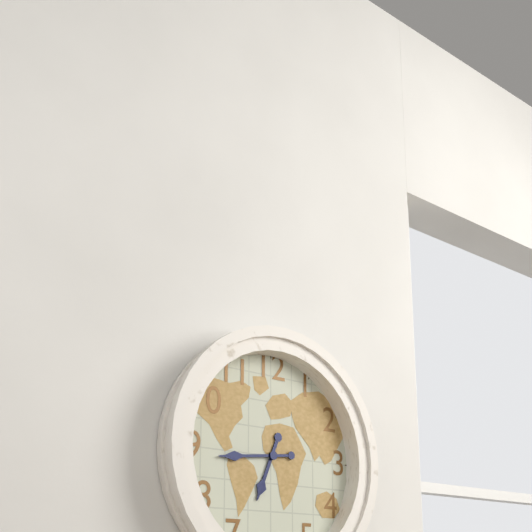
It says 6:44
